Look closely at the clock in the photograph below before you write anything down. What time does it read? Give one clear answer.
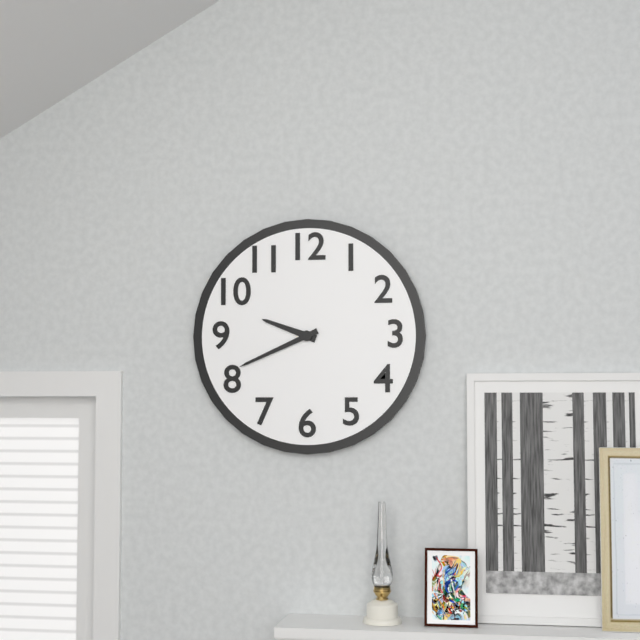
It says 9:41
